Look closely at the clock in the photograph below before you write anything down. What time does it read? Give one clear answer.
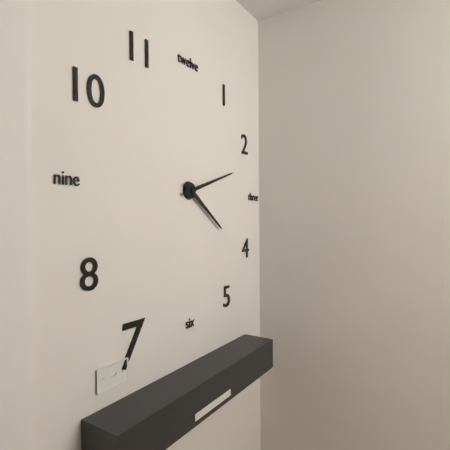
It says 4:12
